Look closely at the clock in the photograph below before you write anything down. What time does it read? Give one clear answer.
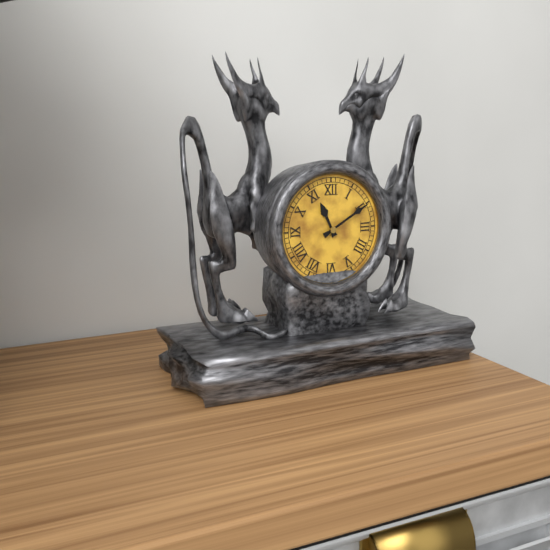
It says 11:10
